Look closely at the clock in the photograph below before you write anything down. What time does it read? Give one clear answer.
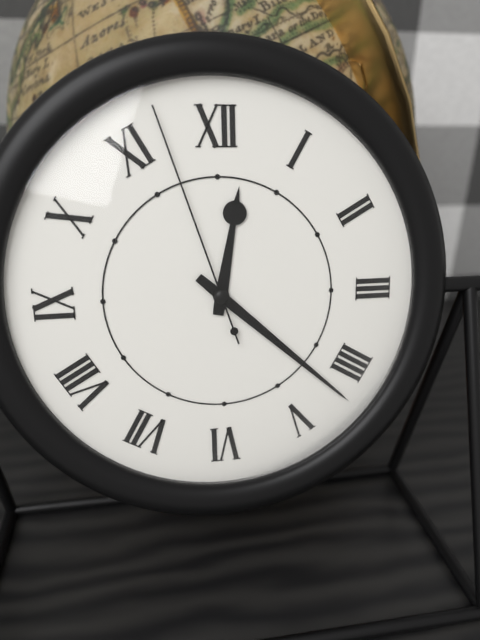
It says 12:22:57
